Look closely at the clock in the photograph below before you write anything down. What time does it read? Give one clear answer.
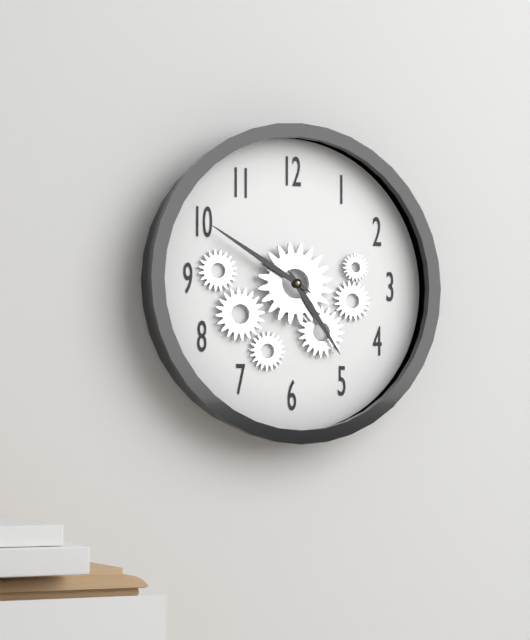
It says 4:50
